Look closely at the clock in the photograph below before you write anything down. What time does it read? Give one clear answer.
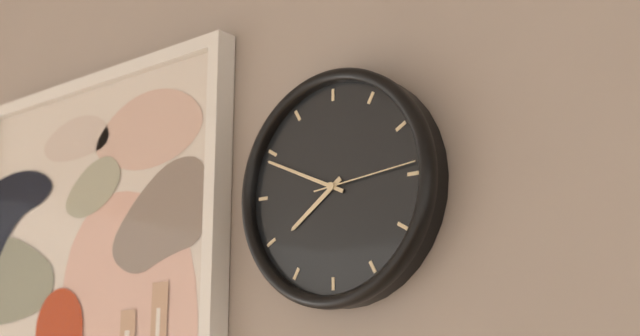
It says 7:49:14
